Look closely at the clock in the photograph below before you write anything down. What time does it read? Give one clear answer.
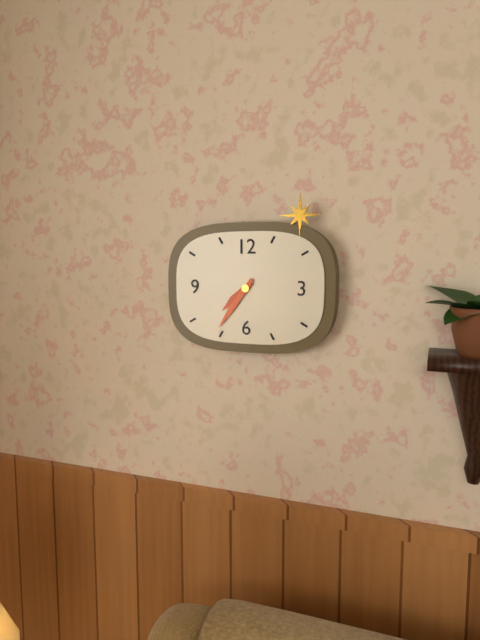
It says 7:36
